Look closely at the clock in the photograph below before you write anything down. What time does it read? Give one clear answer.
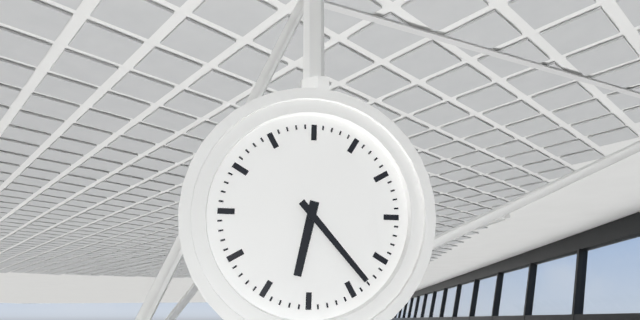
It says 6:23
